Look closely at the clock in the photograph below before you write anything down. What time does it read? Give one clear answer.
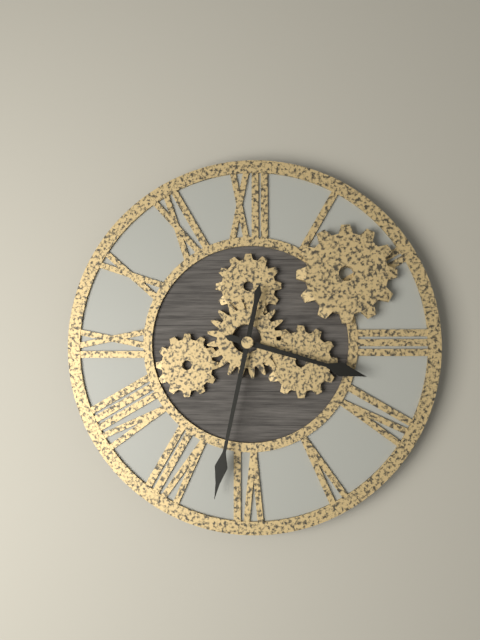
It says 3:32
